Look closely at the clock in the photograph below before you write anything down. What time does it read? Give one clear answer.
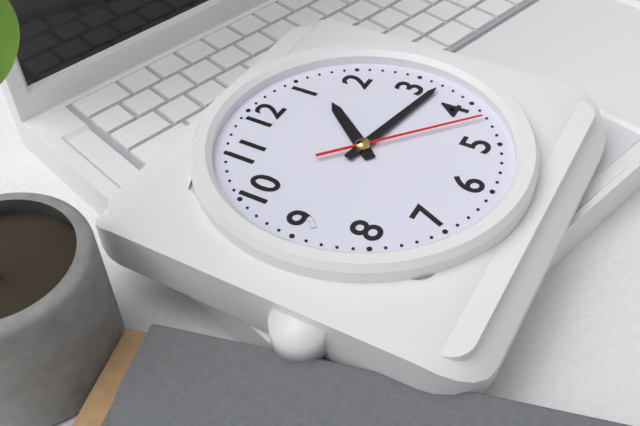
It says 1:17:22
